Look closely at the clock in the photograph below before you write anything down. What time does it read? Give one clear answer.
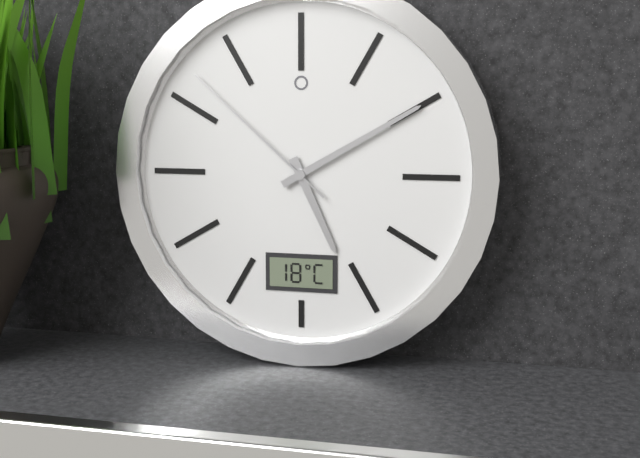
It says 5:10:52
